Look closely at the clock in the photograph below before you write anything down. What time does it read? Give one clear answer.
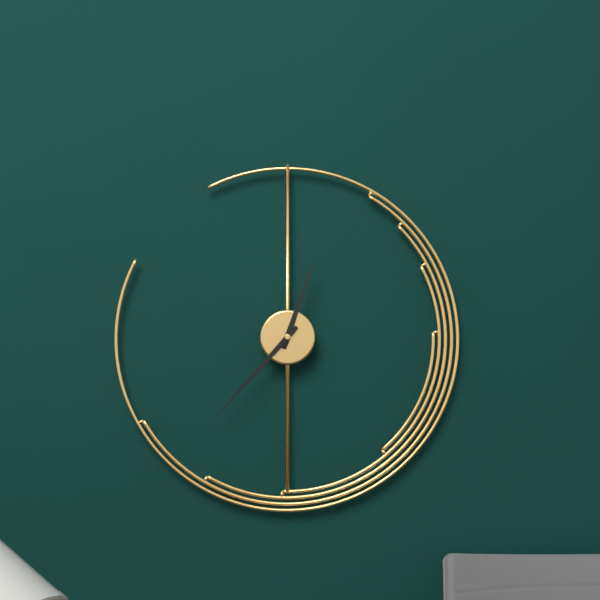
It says 12:37
